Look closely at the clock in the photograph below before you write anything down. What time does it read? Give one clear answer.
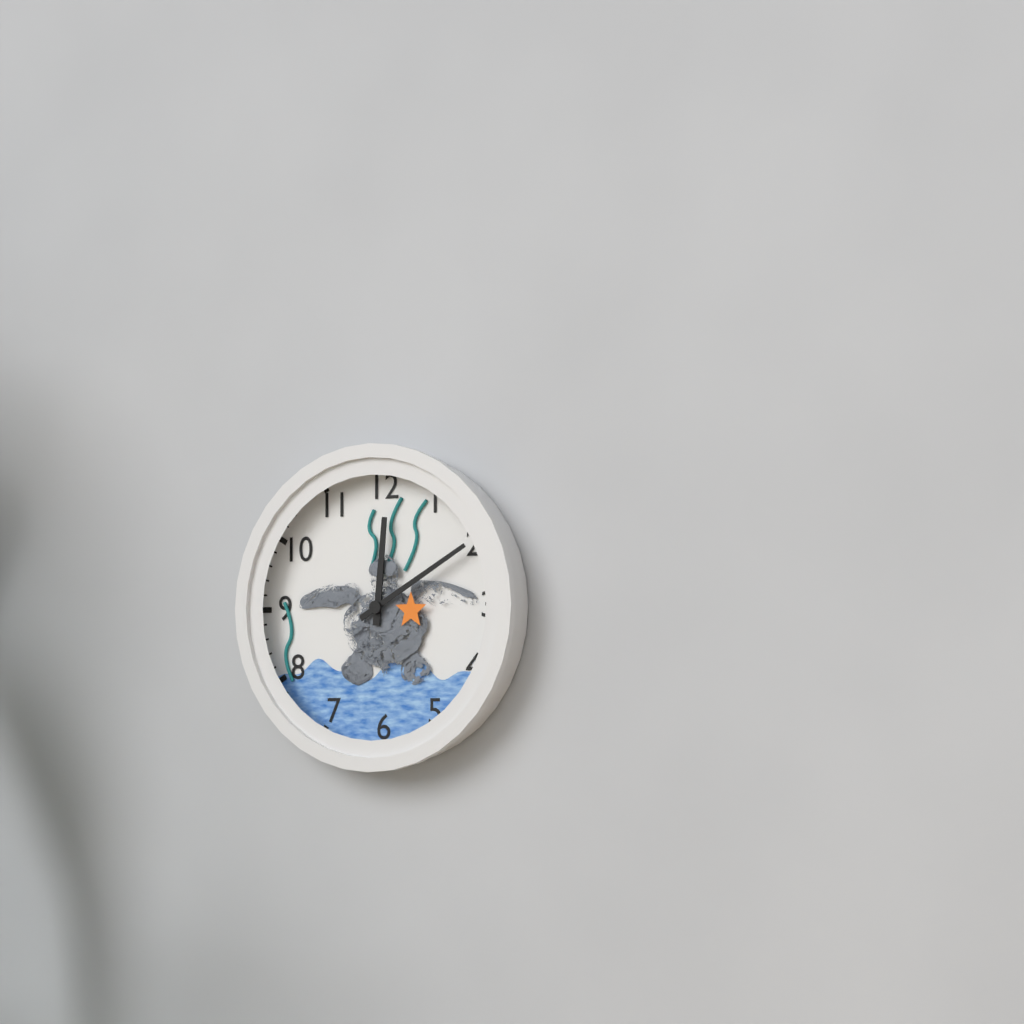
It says 12:10
